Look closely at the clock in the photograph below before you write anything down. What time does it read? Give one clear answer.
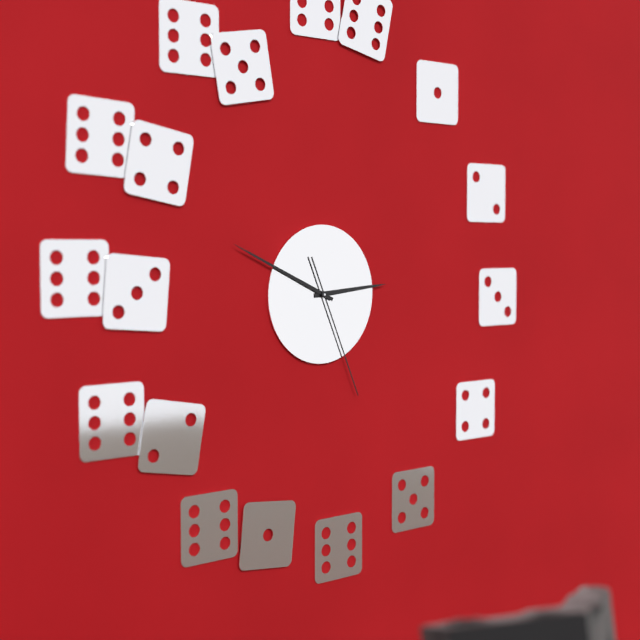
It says 2:49:26
